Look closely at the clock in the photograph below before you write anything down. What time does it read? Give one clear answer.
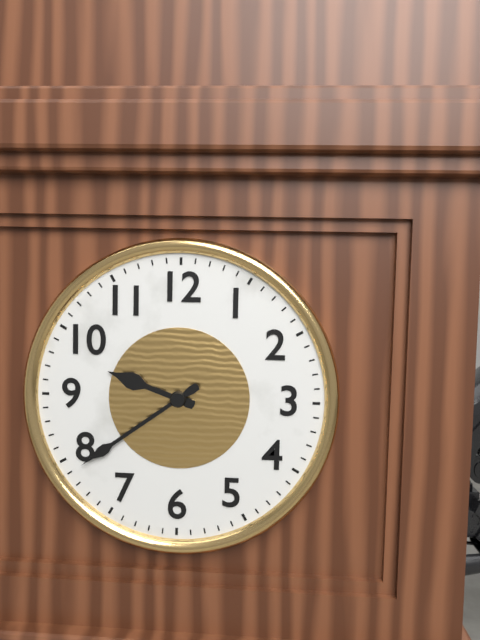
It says 9:39
